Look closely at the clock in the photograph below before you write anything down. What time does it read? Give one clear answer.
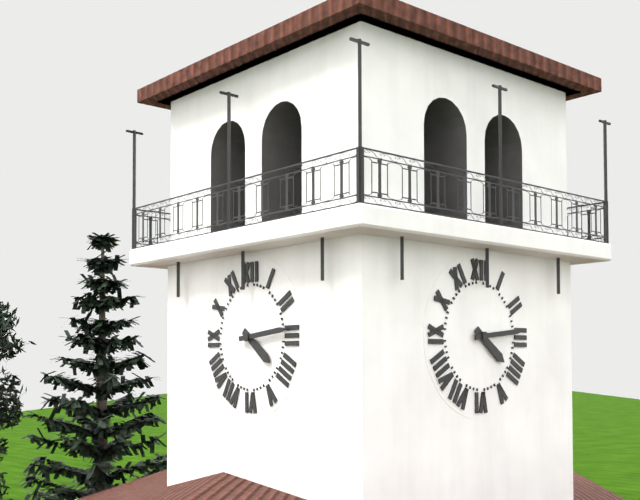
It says 4:14
